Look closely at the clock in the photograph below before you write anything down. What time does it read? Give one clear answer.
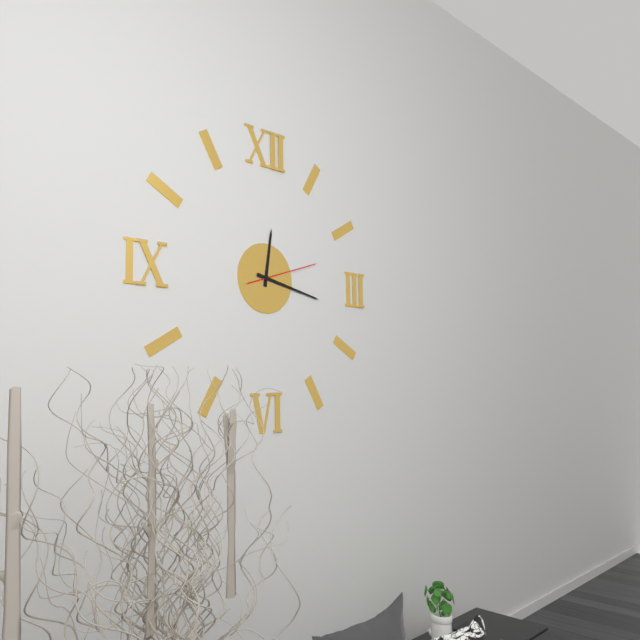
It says 12:17:12
